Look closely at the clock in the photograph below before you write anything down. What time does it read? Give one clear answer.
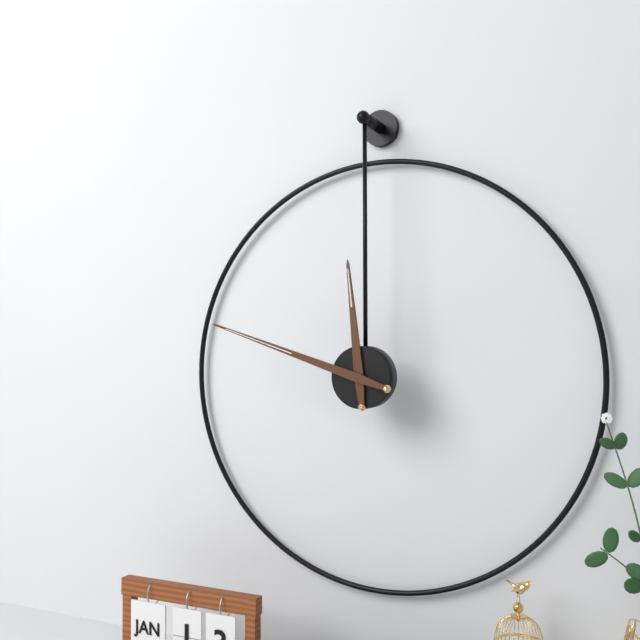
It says 11:48
